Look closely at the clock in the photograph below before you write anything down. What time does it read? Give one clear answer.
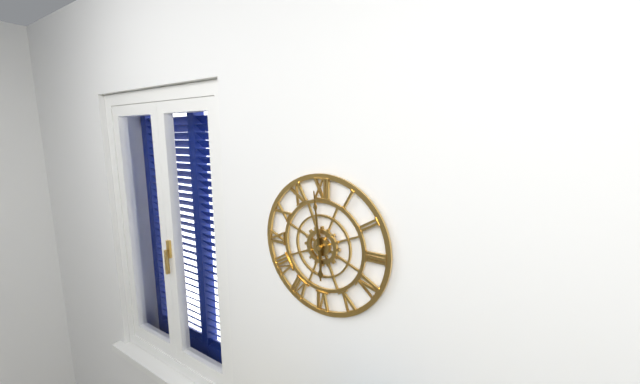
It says 5:59
